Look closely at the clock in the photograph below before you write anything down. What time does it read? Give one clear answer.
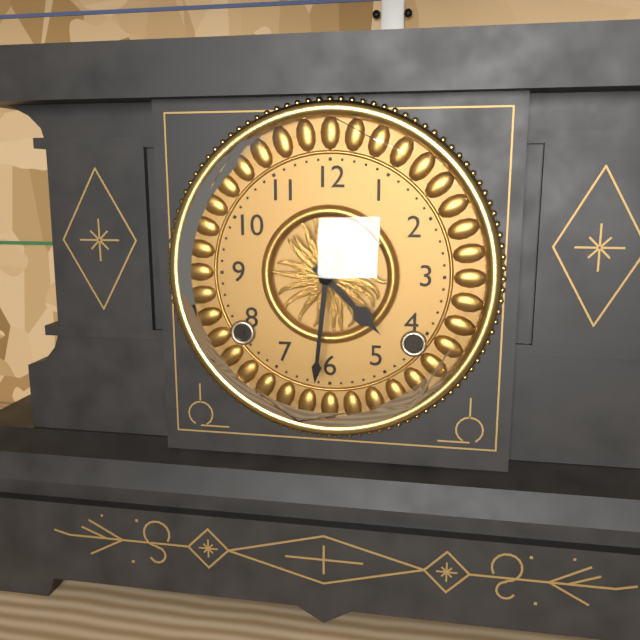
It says 4:31
